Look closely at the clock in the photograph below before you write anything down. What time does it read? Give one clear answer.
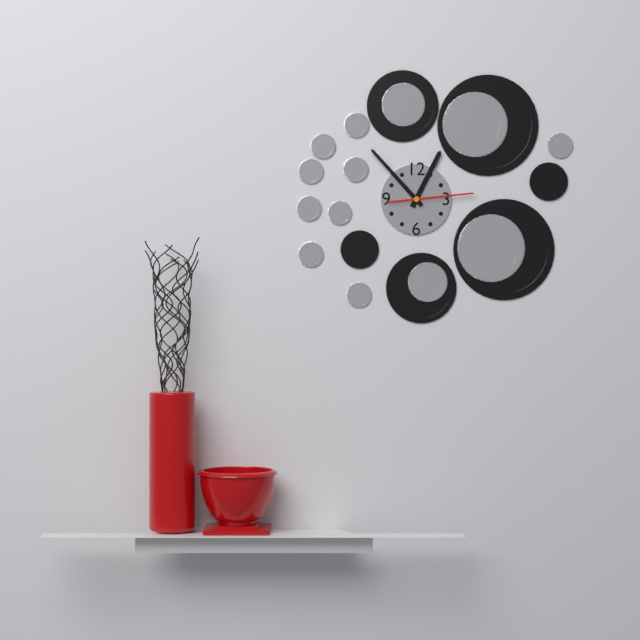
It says 12:53:14
